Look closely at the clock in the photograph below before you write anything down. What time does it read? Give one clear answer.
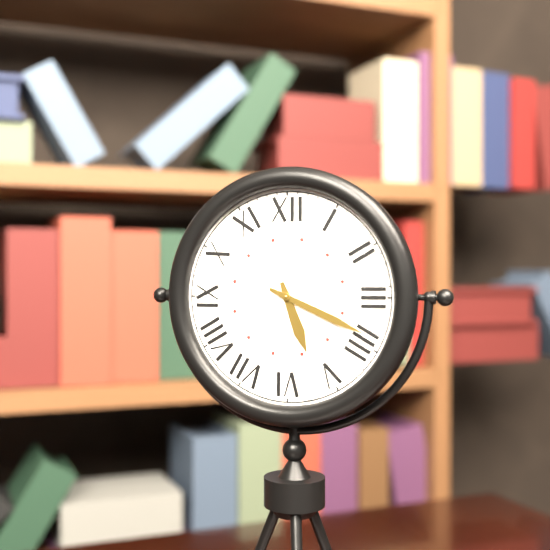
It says 5:19
